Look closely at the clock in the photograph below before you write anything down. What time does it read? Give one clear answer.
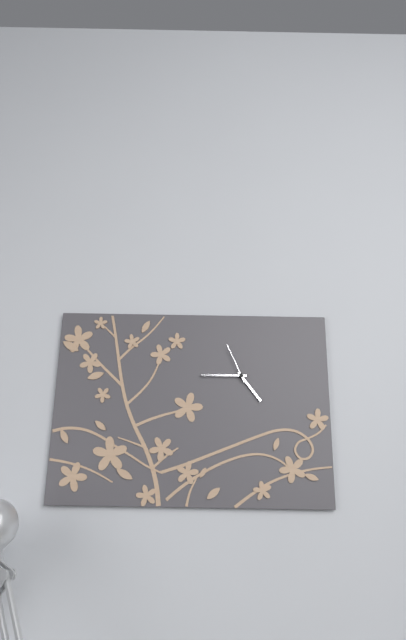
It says 4:45
